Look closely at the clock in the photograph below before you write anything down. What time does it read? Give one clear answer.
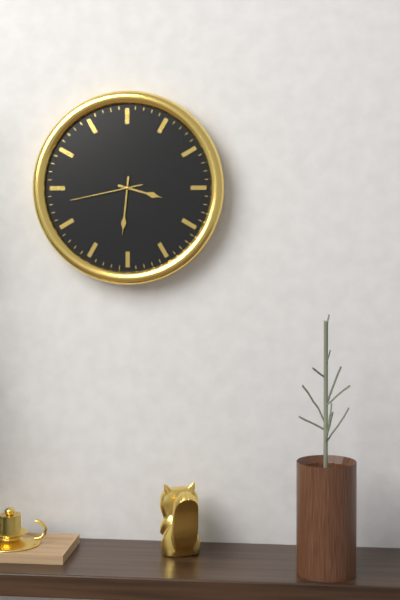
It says 3:31:43
